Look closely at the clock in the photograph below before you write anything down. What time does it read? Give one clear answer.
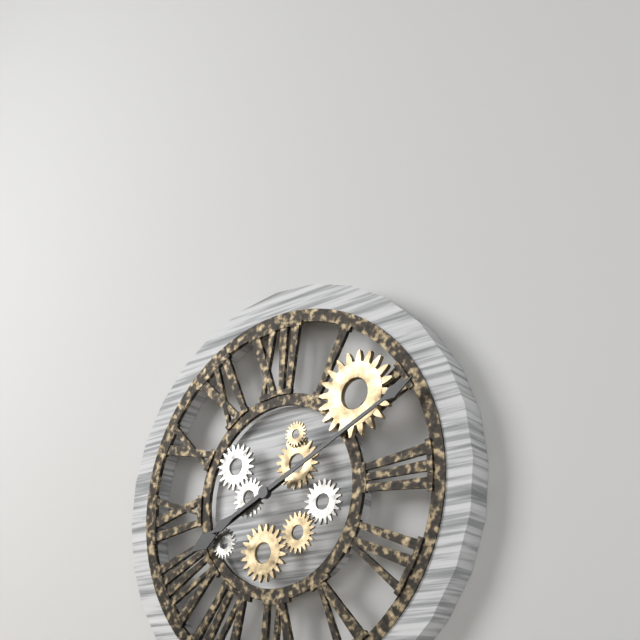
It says 8:11
